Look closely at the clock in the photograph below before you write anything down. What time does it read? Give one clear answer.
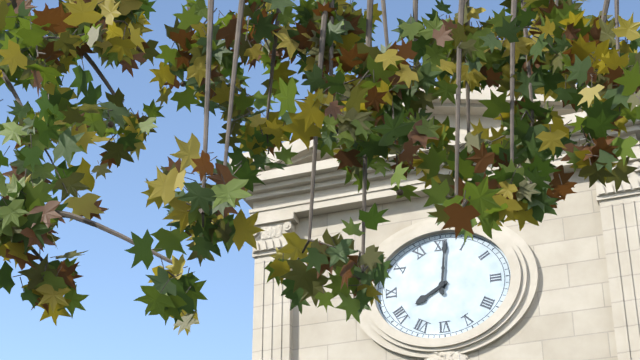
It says 8:01
